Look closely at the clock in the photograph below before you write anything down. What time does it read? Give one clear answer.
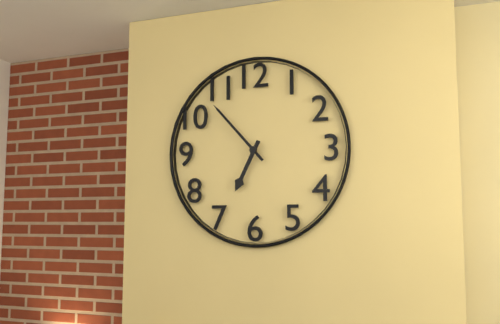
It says 6:53
